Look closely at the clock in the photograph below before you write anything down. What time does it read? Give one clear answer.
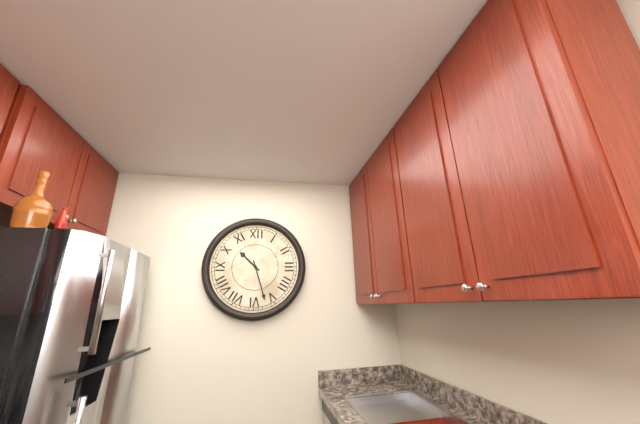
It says 10:27
